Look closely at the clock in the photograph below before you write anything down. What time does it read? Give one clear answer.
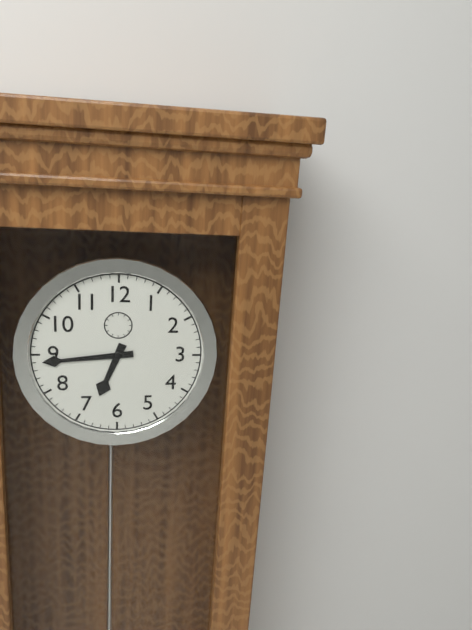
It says 6:44
